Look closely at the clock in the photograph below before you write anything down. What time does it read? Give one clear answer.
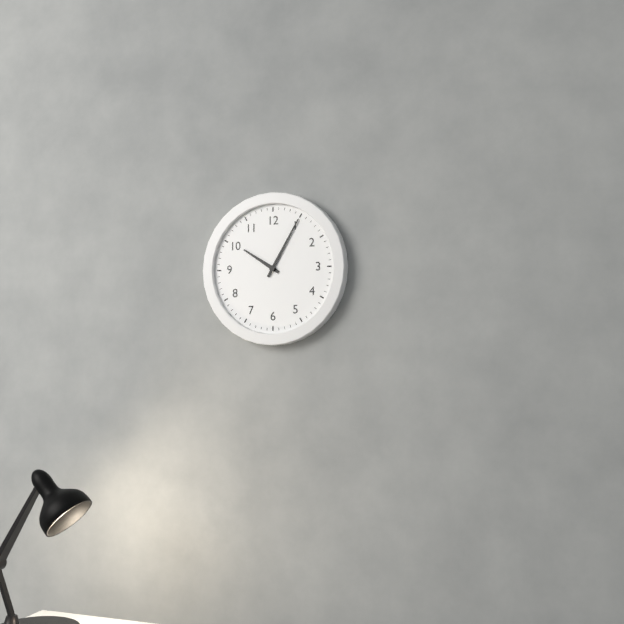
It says 10:05
